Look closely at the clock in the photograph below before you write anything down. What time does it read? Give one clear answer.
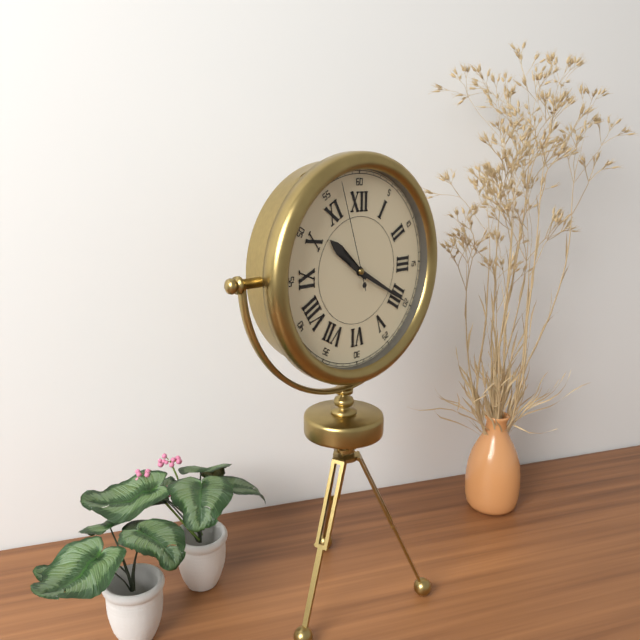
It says 10:20:57
